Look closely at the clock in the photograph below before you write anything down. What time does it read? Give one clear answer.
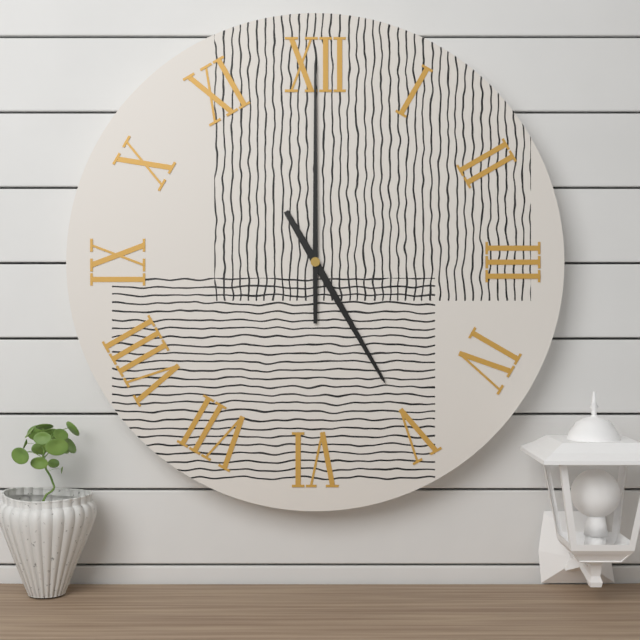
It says 5:00
